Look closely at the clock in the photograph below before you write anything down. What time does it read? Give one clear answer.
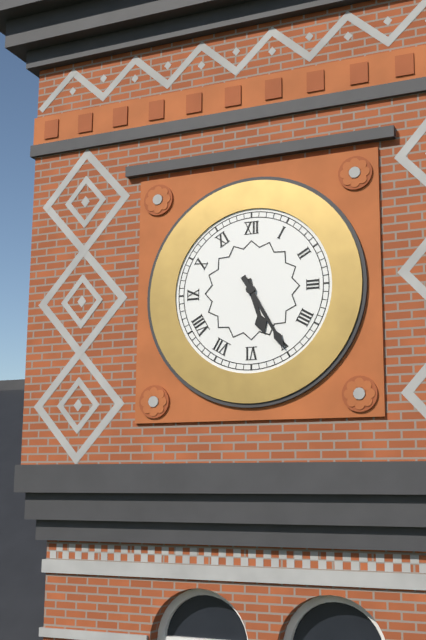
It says 5:25
